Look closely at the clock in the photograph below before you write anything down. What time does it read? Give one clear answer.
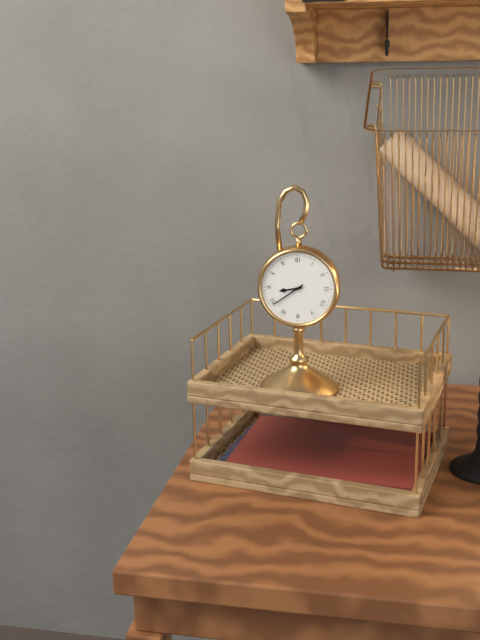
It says 8:39
